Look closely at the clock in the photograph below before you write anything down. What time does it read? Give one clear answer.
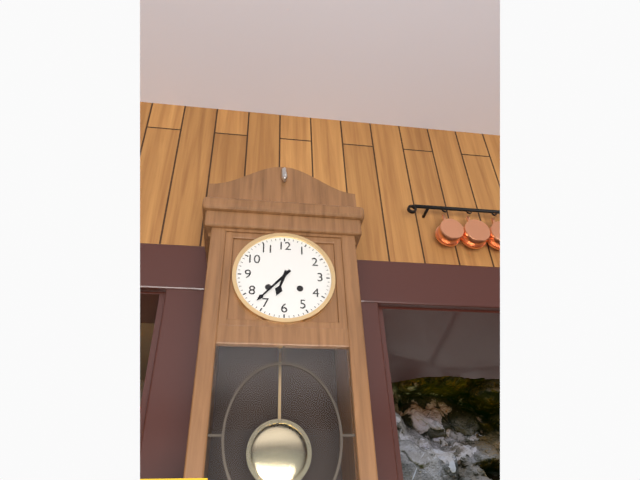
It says 6:37
